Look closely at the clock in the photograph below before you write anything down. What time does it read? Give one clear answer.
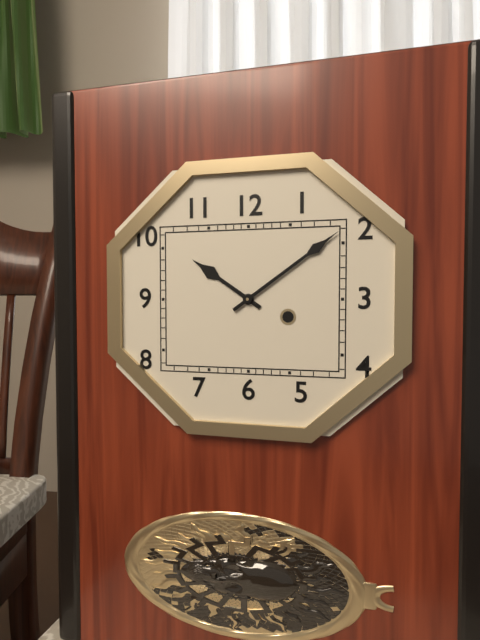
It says 10:09
